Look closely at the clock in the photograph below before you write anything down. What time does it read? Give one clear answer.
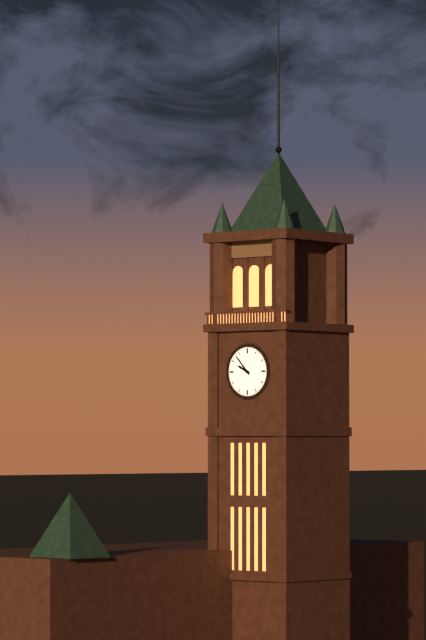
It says 9:53
